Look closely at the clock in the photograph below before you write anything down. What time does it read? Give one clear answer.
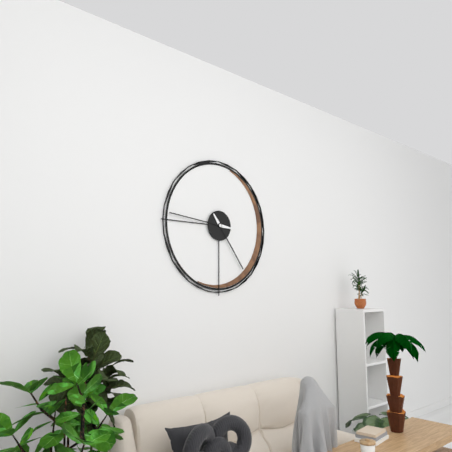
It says 4:46
